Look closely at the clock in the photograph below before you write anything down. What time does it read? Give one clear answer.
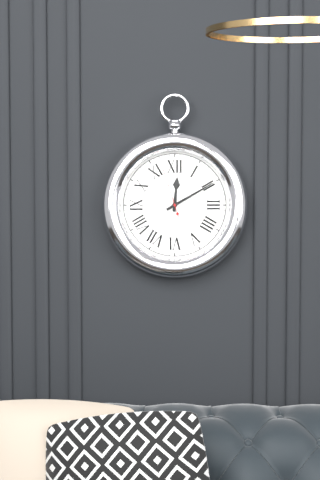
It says 12:10:57
